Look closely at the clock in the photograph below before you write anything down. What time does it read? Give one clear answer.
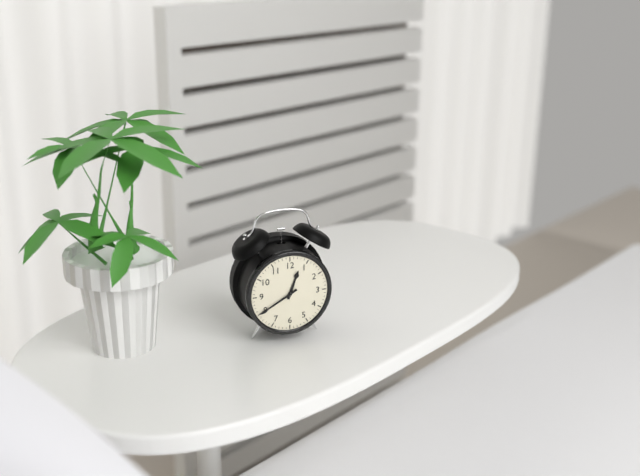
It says 12:40
